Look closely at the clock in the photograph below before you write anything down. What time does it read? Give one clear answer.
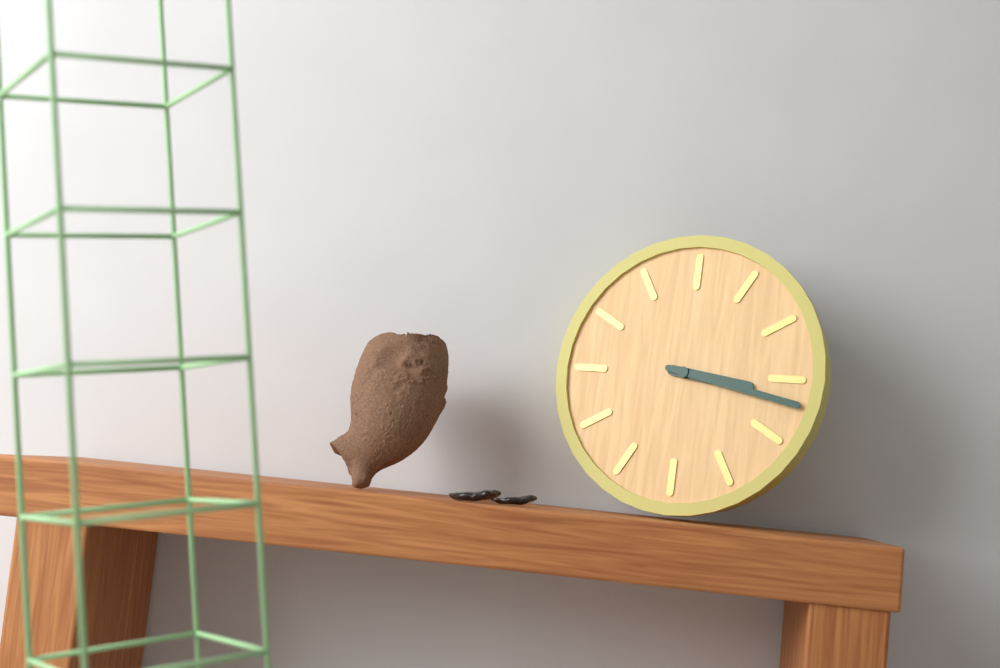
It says 3:17
